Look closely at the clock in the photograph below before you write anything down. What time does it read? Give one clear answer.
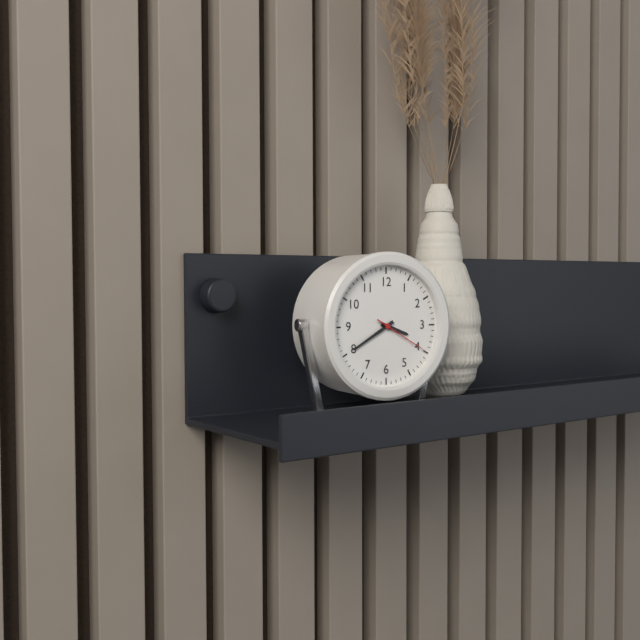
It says 3:40:20
